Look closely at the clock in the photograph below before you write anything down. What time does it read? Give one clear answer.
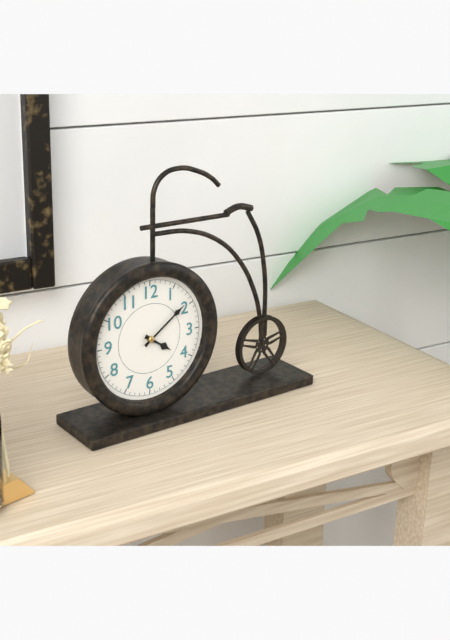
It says 4:09
